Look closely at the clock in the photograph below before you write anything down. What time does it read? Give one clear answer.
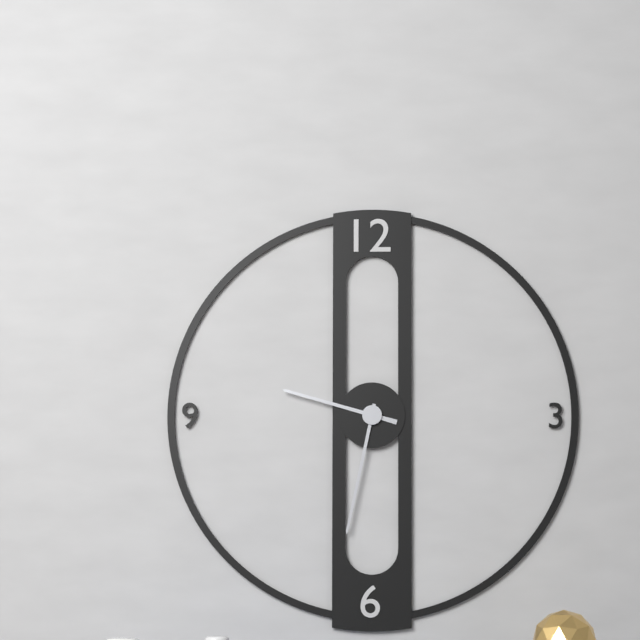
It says 9:32
